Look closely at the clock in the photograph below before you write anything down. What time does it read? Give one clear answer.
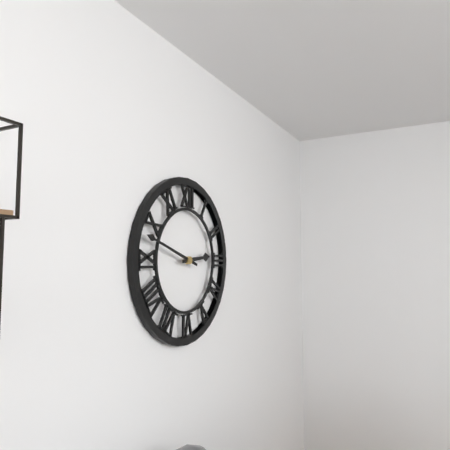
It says 2:48
